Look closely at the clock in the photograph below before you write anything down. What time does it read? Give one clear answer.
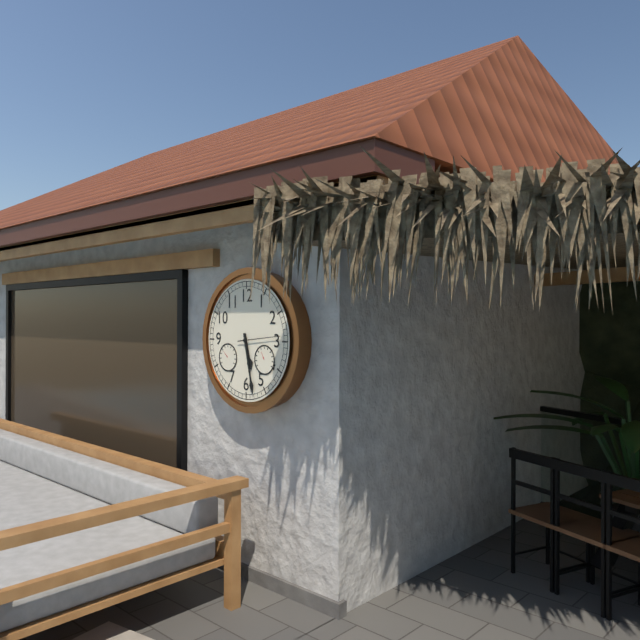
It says 5:28
